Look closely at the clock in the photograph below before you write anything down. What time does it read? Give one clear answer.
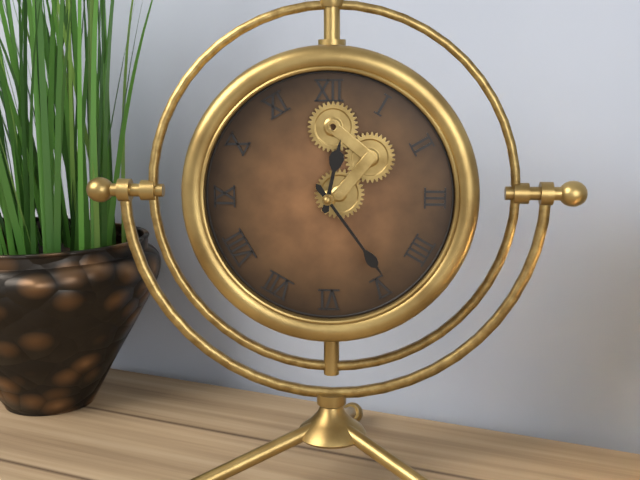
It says 12:24
